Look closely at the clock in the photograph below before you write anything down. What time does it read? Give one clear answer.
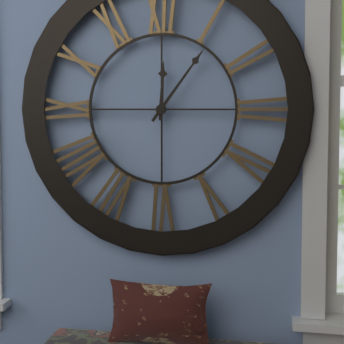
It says 12:06
